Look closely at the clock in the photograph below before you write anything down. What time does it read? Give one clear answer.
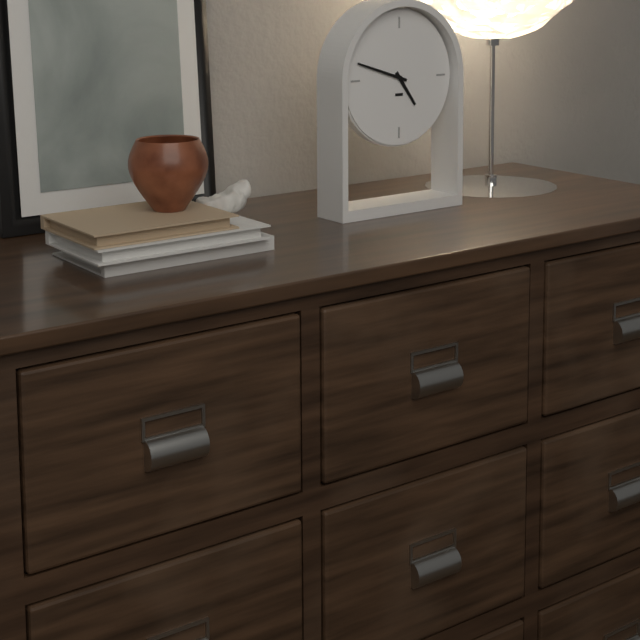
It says 4:48
